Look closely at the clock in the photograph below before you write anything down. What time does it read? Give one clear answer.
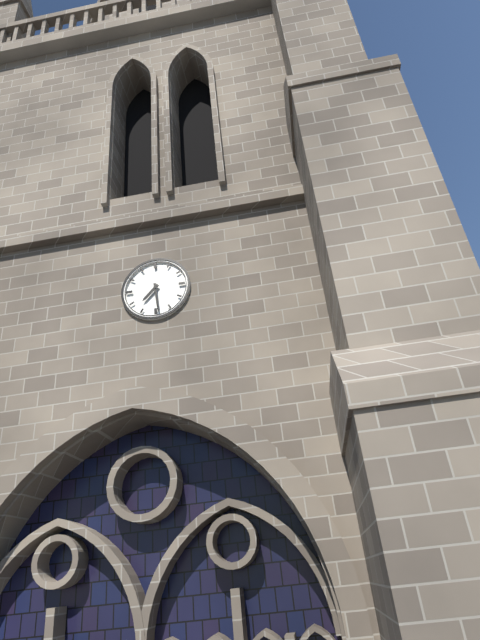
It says 7:29
